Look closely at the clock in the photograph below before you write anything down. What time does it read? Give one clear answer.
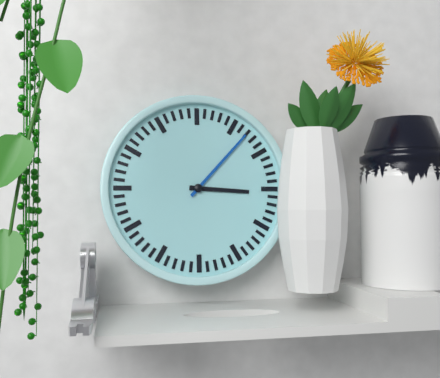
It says 3:07
